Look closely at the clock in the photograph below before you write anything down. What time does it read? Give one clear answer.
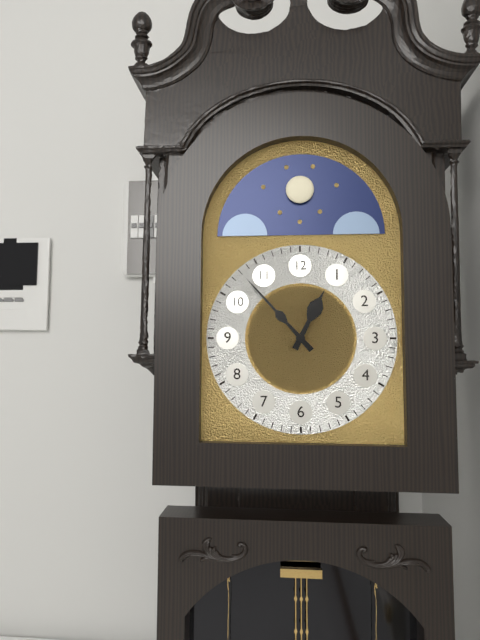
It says 12:53
